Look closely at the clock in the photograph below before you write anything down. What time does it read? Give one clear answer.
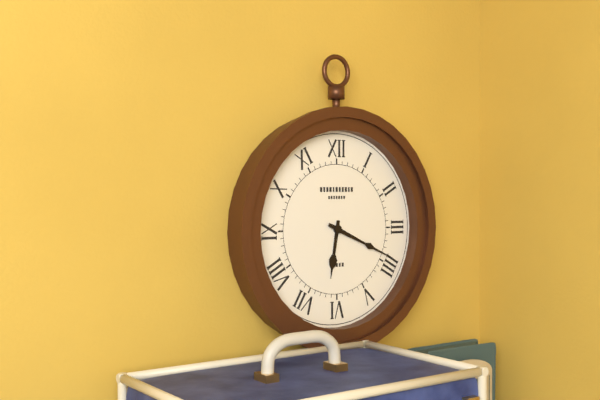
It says 6:19
